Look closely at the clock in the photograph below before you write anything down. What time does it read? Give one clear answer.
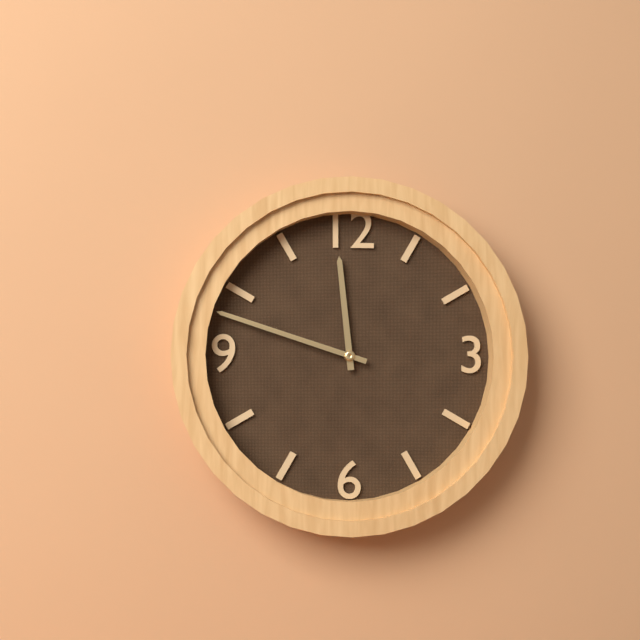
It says 11:48
